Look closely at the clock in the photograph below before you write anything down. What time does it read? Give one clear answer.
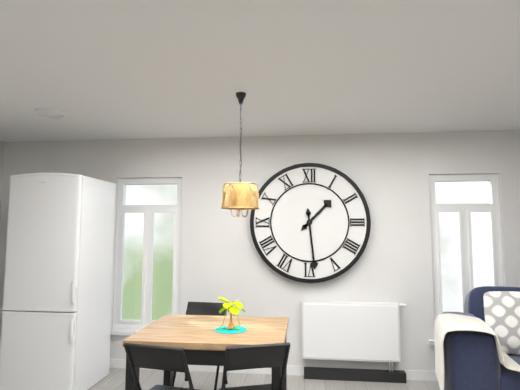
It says 1:29
